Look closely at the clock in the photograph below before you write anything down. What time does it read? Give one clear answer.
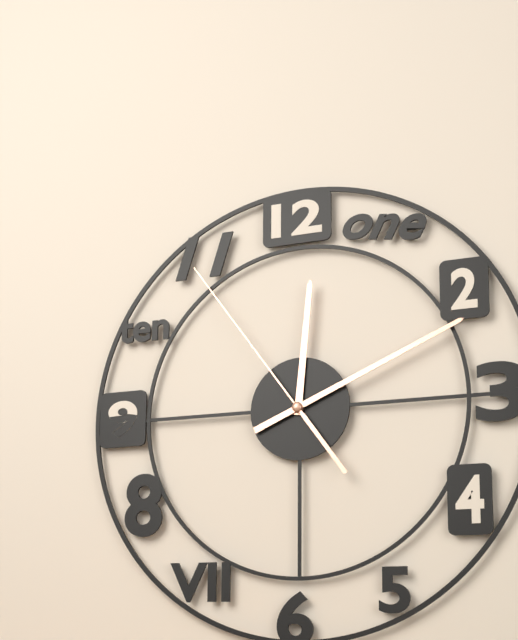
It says 12:11:54
